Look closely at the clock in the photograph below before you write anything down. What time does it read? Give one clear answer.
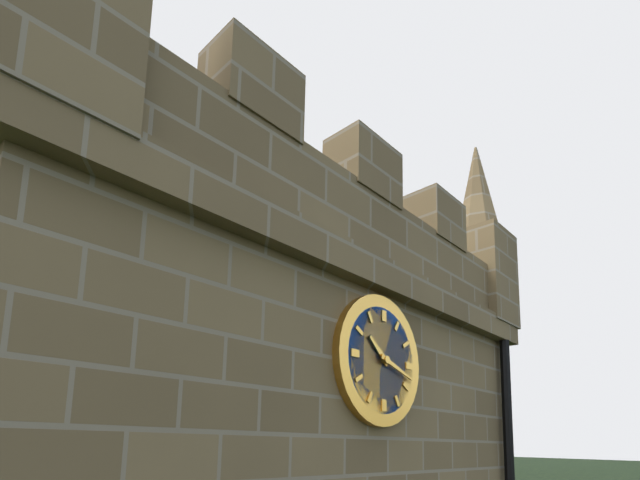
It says 10:18
